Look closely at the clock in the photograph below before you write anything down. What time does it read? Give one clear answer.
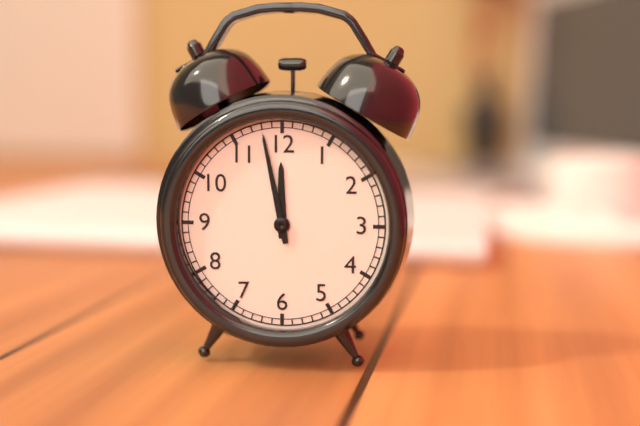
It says 11:58
